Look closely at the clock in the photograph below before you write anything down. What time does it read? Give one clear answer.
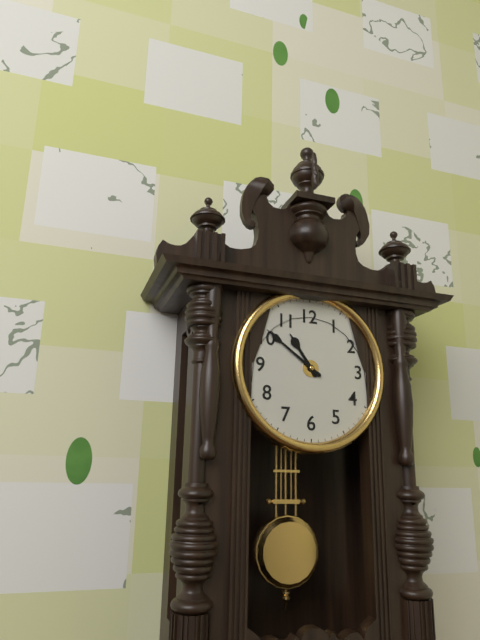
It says 10:51
